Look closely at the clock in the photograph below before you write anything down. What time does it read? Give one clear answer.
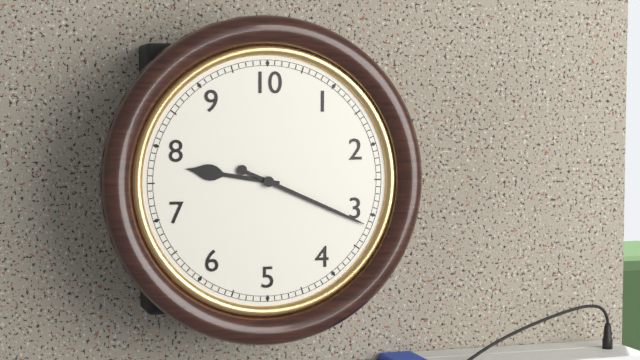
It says 9:19
